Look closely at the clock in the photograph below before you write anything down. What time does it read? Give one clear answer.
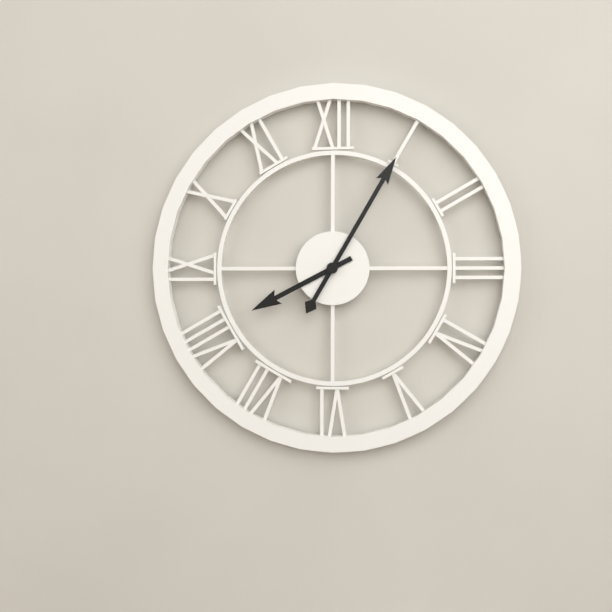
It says 8:05
